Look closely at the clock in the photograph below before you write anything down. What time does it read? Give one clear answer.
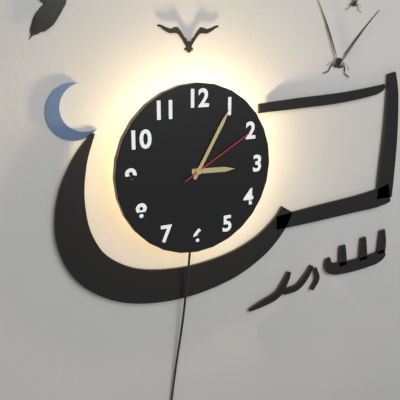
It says 3:05:10
